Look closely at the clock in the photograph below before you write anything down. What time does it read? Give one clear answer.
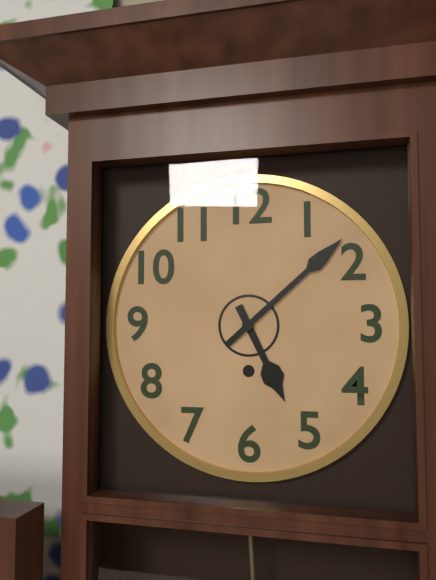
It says 5:08
